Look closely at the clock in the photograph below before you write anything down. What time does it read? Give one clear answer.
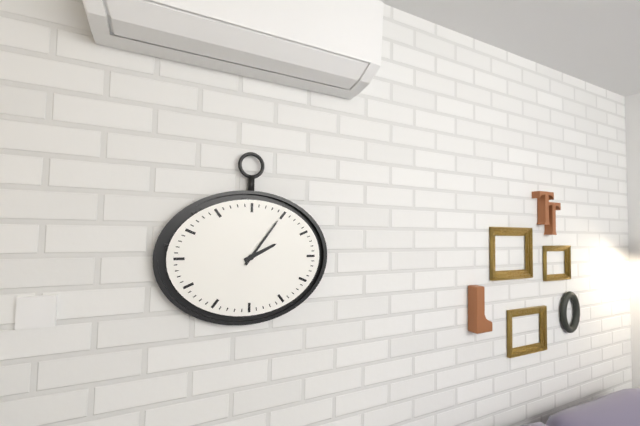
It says 2:06
